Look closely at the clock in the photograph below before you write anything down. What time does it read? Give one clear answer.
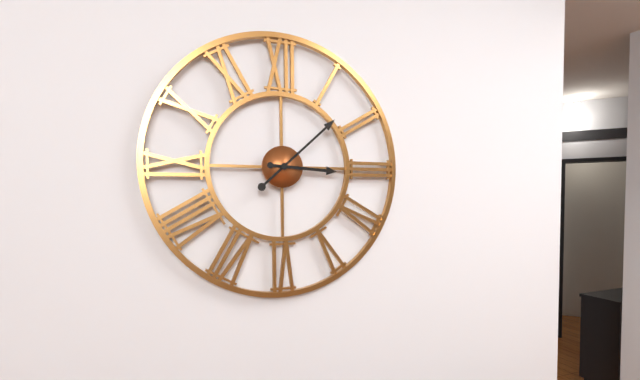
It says 3:08
